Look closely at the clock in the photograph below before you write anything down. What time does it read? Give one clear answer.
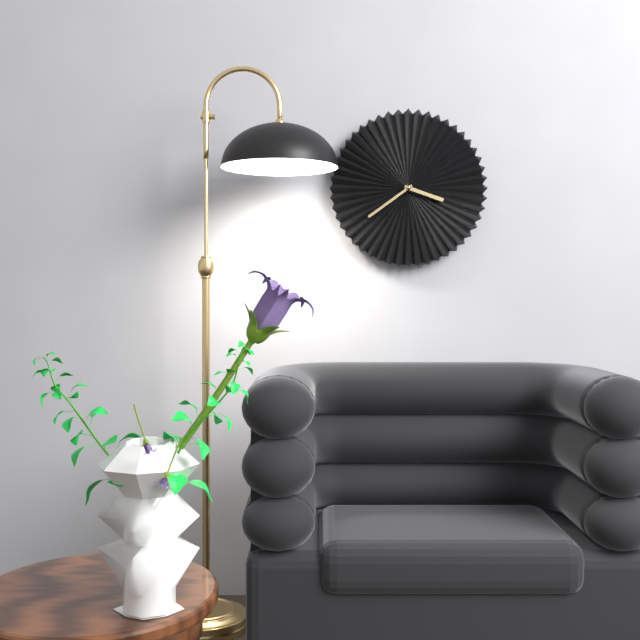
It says 3:39
